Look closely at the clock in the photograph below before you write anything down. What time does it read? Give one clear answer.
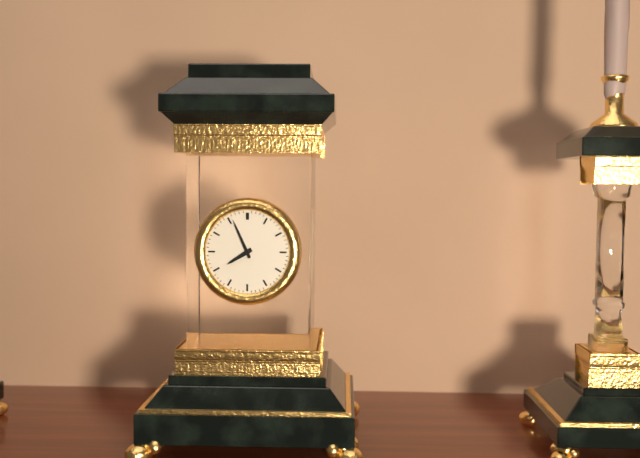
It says 7:56
